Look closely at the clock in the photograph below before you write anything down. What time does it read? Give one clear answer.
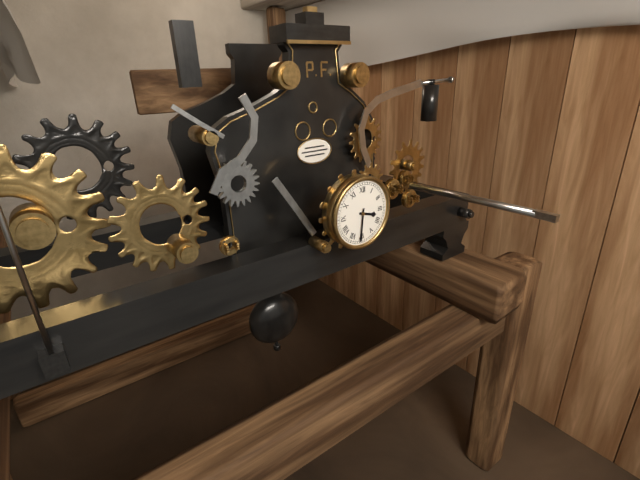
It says 3:31
